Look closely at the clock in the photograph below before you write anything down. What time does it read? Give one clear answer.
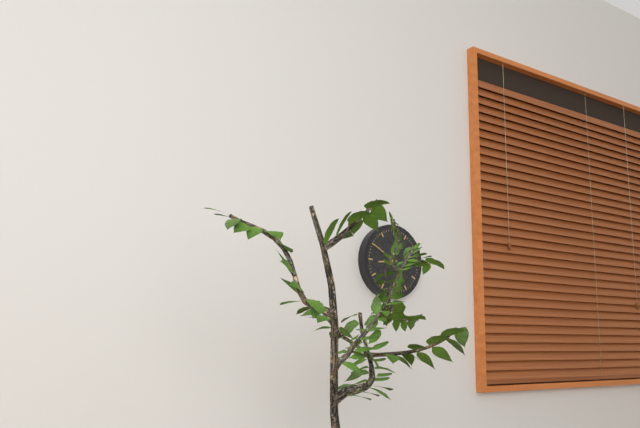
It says 8:50
